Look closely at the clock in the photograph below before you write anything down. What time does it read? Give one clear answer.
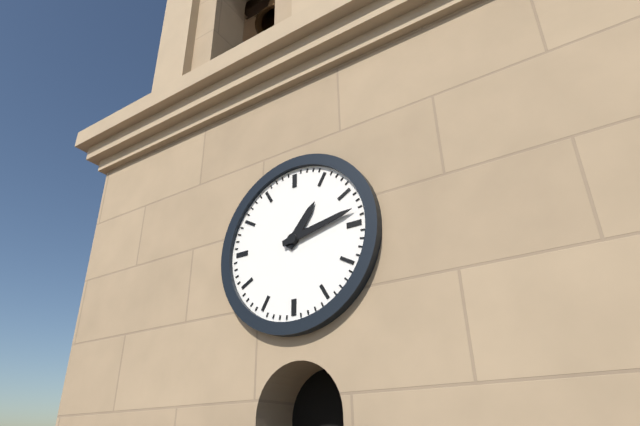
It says 1:13
